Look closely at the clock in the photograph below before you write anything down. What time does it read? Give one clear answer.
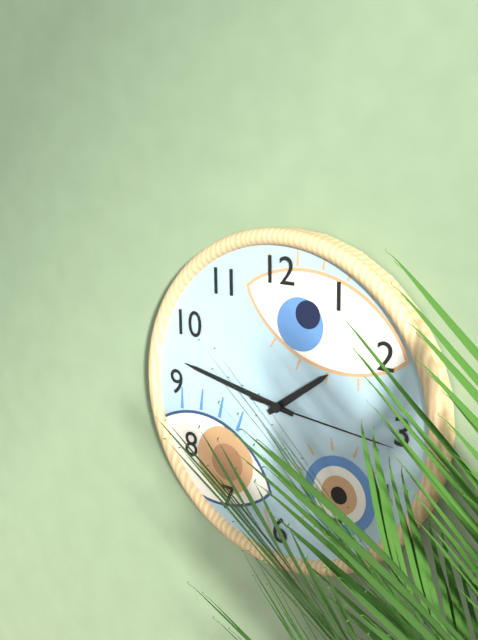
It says 1:47:16
